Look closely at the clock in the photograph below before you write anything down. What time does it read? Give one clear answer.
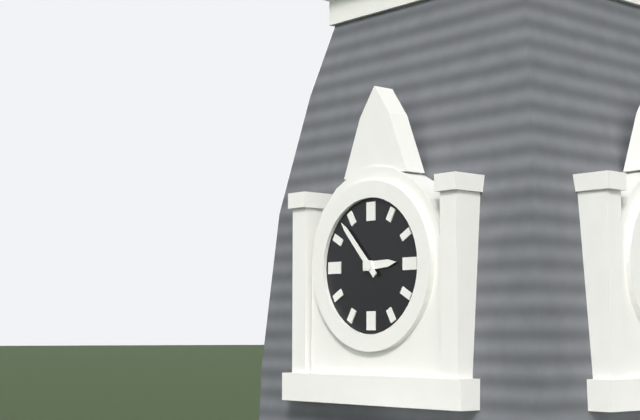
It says 2:53
